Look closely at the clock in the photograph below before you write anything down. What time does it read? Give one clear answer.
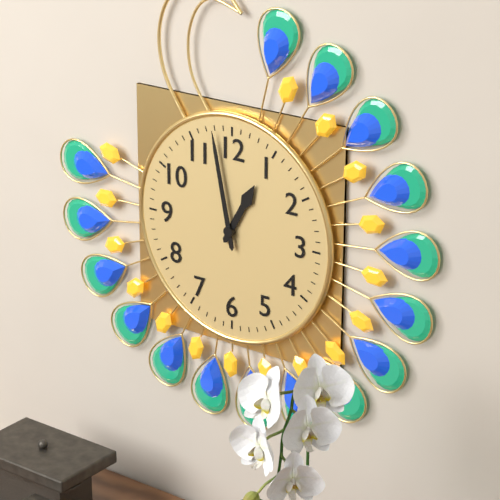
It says 12:58
